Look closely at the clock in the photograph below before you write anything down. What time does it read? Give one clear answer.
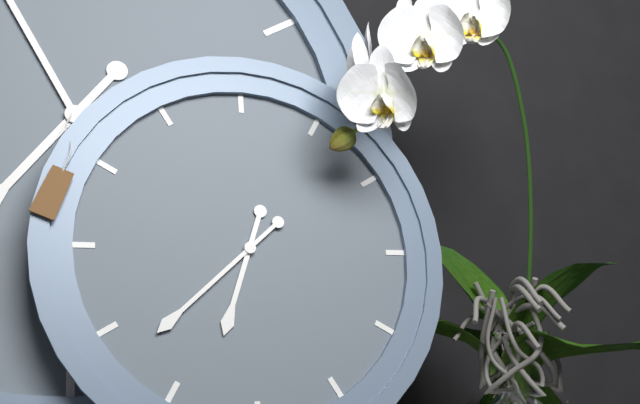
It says 6:38
